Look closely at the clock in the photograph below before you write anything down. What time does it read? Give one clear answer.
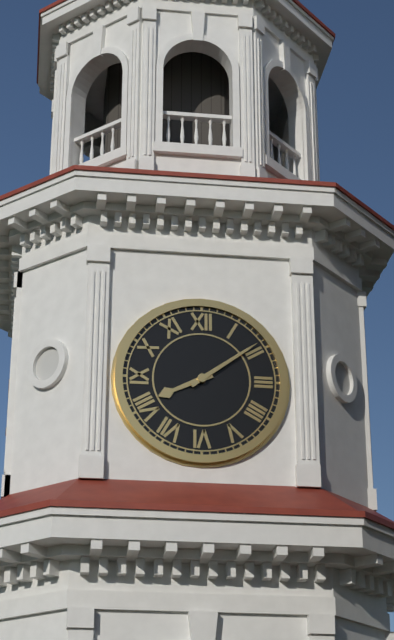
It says 8:09
